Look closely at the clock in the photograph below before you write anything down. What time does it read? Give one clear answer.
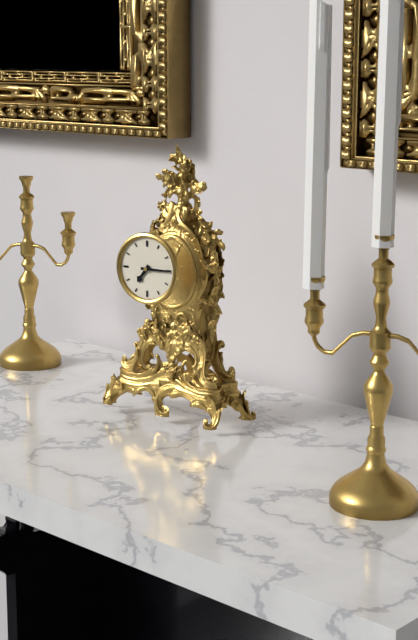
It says 7:15
